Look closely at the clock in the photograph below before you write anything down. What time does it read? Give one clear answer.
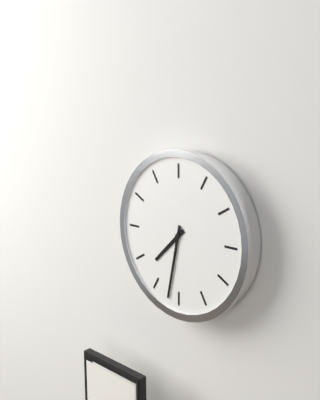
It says 7:32
